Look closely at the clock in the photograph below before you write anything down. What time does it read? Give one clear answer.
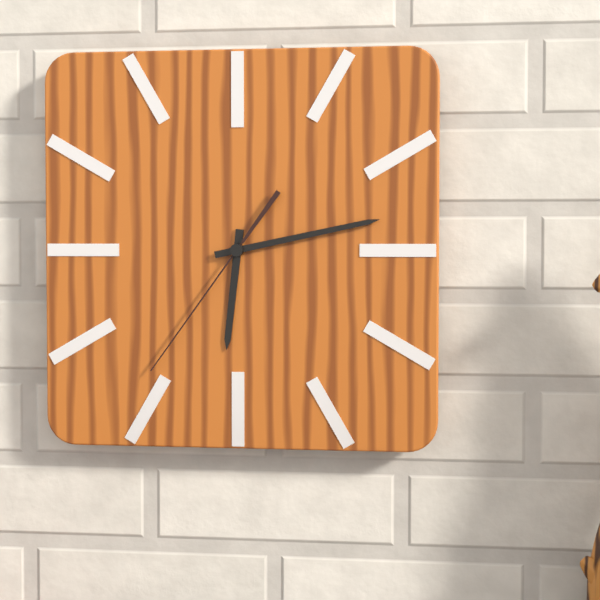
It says 6:13:36
